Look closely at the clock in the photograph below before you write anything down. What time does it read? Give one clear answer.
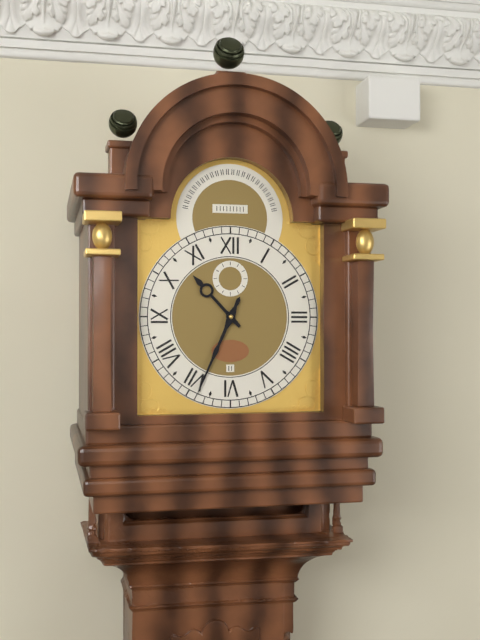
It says 10:34
